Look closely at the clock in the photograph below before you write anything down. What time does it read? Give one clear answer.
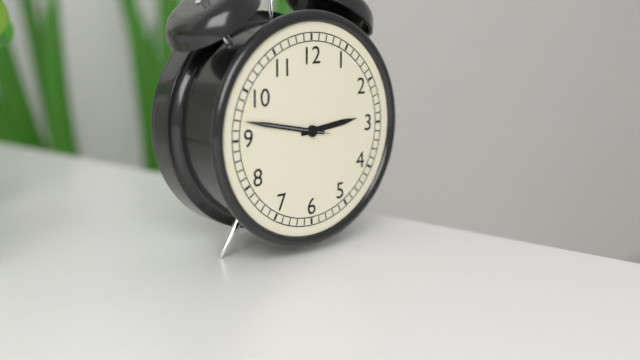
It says 2:47:47
